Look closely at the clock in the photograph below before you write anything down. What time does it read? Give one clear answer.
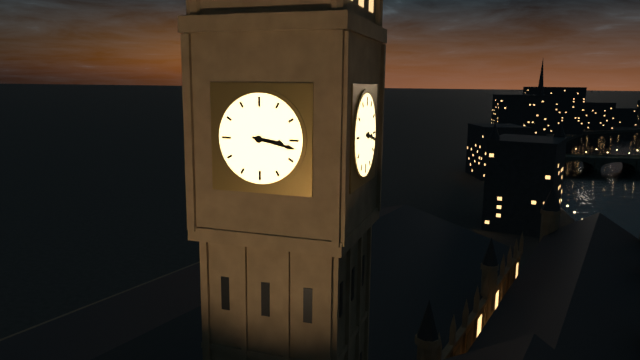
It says 3:17
